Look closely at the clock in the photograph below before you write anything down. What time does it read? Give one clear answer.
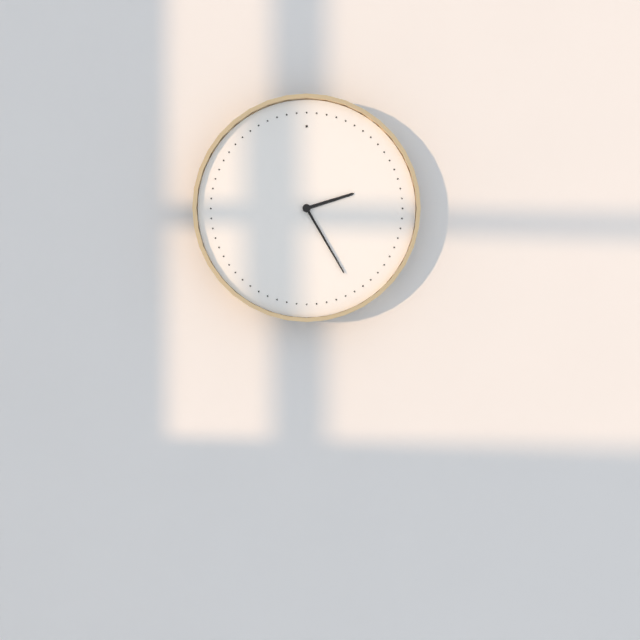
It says 2:25
